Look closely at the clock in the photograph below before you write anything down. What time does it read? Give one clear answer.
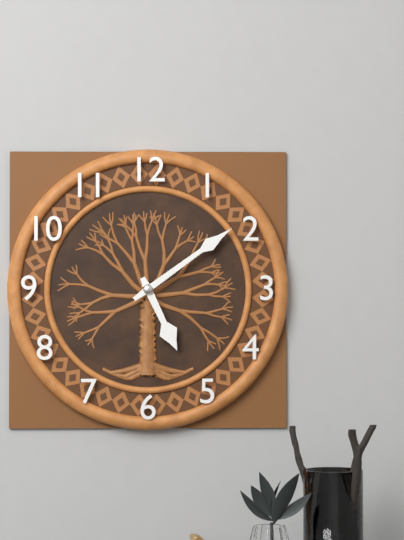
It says 5:09
